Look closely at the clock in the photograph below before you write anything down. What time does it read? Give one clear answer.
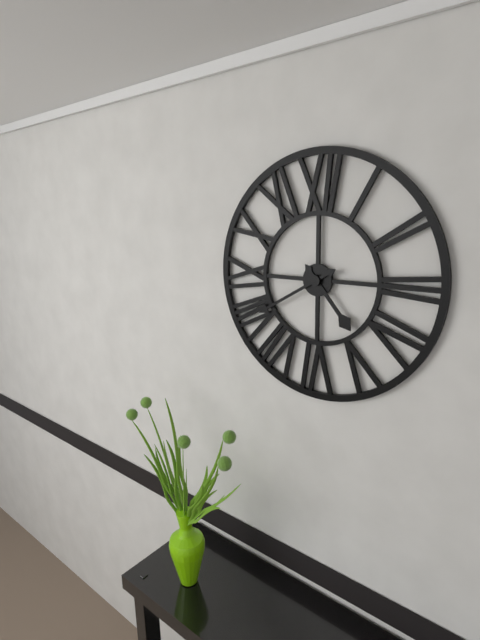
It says 4:40
